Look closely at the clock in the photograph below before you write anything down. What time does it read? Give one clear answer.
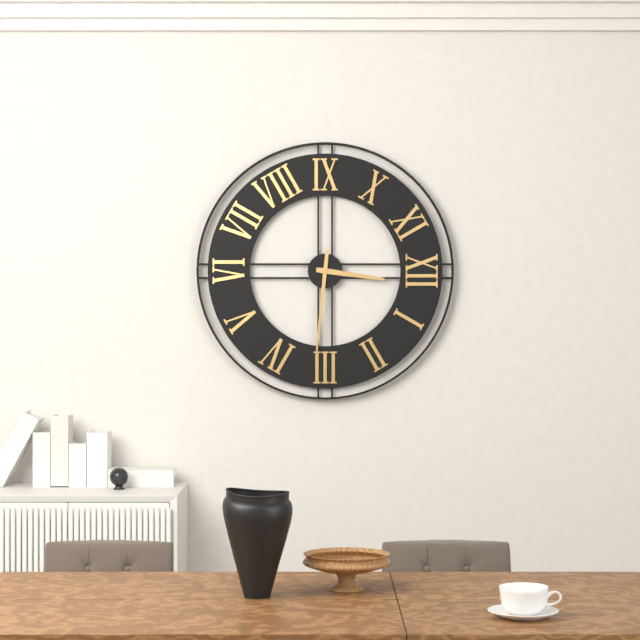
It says 12:16
